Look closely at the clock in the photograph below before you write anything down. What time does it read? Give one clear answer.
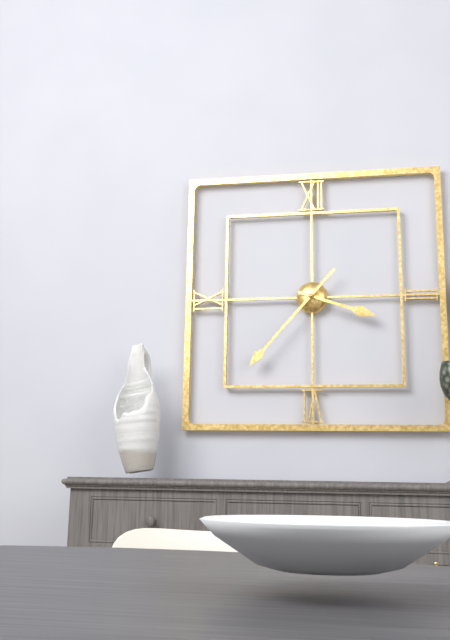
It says 3:37
